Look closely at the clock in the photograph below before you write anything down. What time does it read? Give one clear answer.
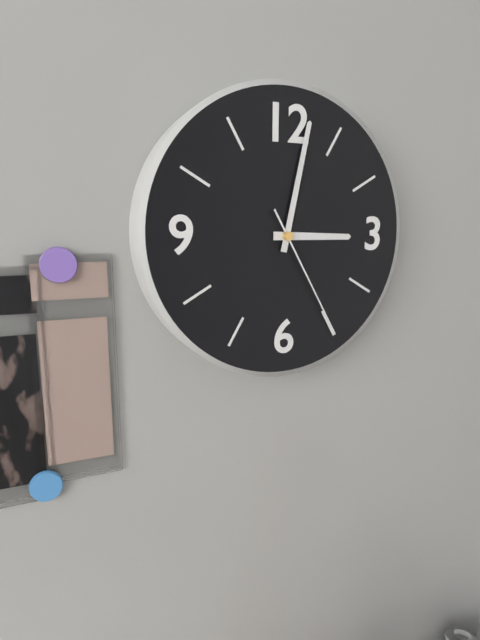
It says 3:02:25
